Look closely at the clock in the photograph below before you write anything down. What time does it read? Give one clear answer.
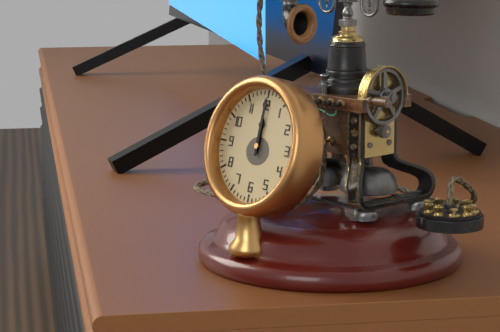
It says 12:00
